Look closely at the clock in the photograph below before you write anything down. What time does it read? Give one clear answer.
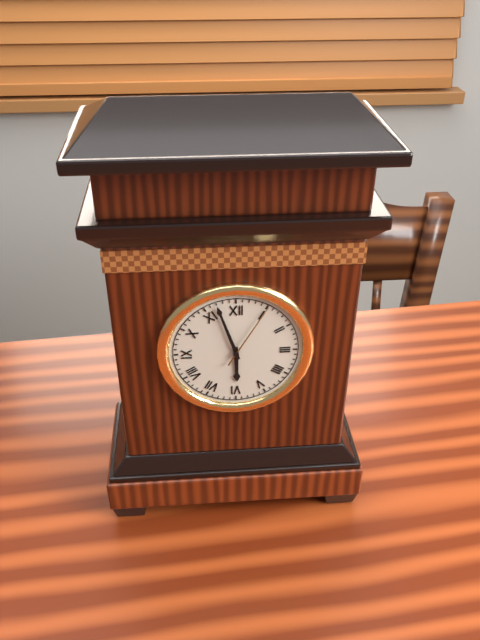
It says 5:57:05
